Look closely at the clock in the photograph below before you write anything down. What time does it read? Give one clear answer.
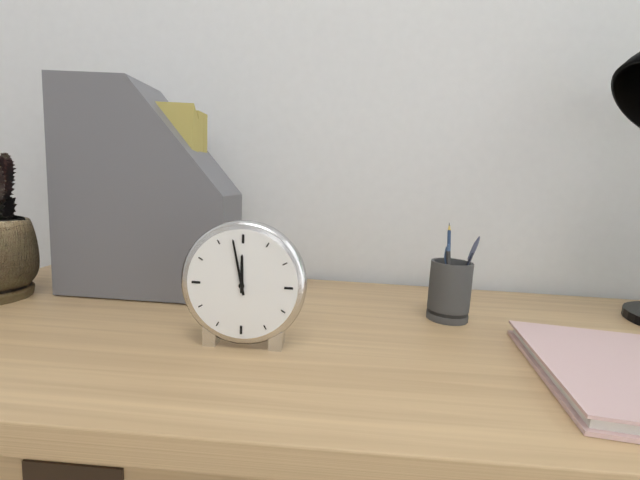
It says 11:58
